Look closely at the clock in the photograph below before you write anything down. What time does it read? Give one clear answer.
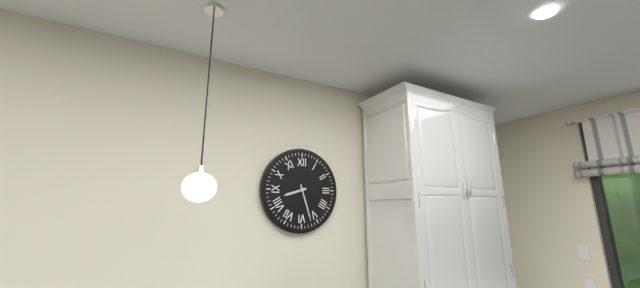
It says 8:27
